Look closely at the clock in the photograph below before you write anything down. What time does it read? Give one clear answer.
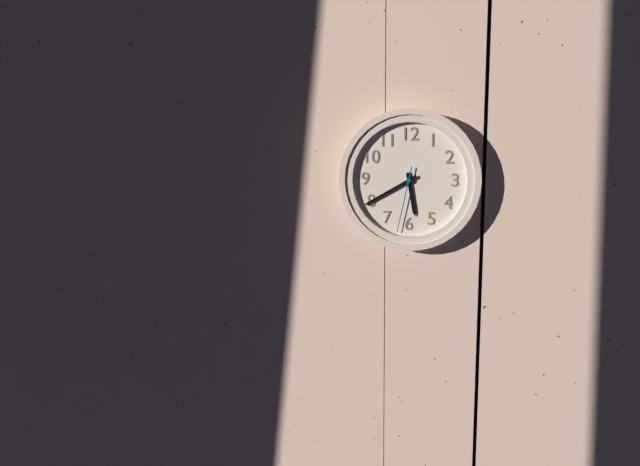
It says 5:40:32
